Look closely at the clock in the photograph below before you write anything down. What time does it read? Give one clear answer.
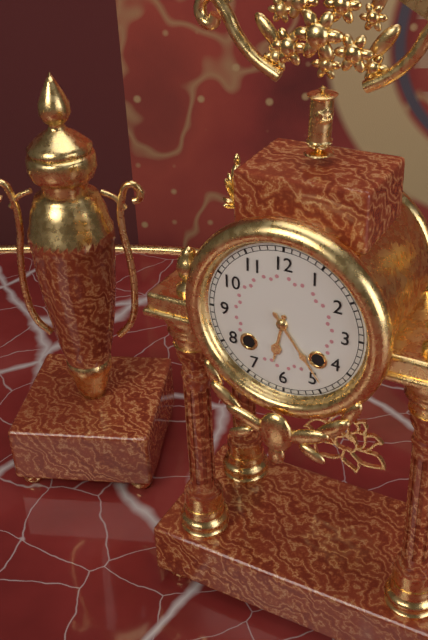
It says 6:24
